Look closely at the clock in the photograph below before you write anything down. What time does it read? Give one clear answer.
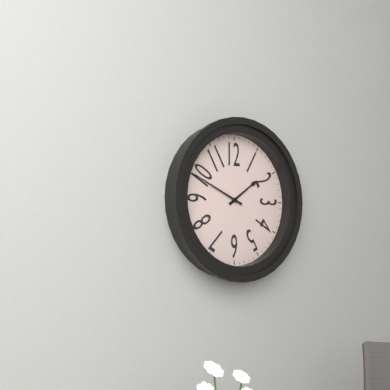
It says 1:49
